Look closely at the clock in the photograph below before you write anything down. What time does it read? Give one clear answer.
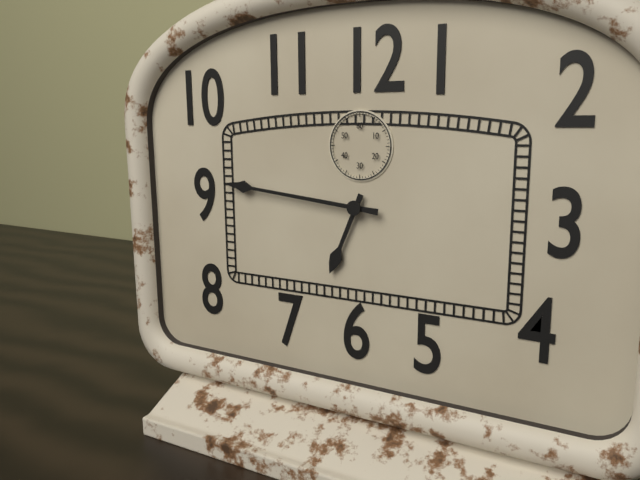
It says 6:46
